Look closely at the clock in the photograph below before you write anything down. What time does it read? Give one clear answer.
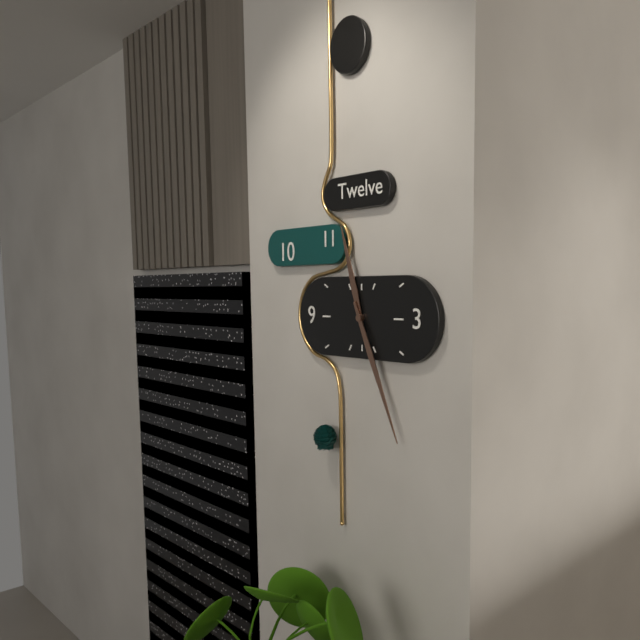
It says 11:26
